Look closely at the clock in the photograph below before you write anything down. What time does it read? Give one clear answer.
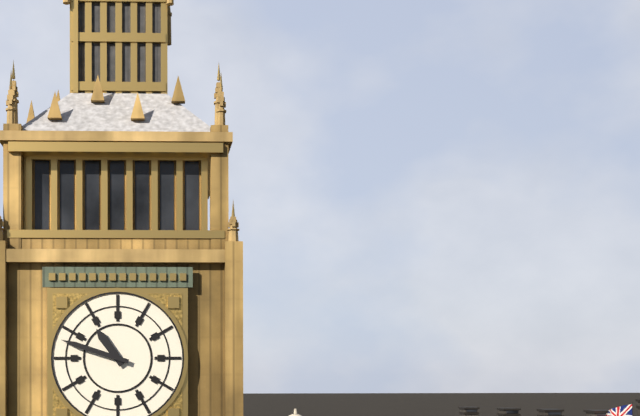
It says 10:48
